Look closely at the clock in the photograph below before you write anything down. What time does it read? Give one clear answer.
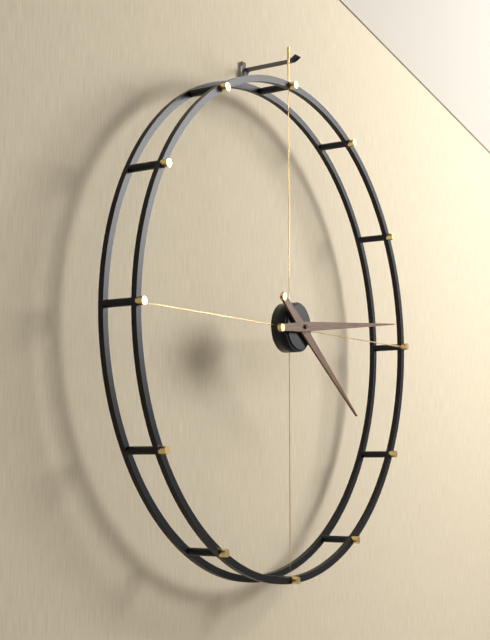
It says 4:14
